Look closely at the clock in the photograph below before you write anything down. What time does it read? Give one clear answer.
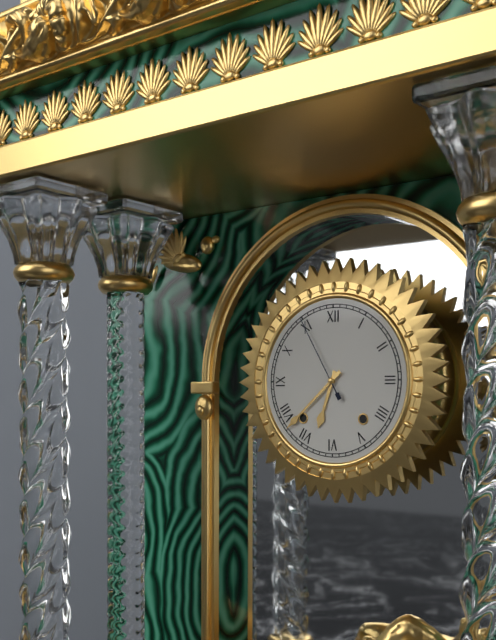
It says 6:38:55
